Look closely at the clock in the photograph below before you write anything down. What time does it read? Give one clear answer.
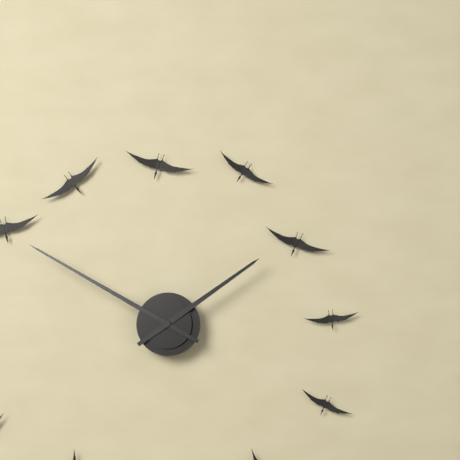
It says 1:50
